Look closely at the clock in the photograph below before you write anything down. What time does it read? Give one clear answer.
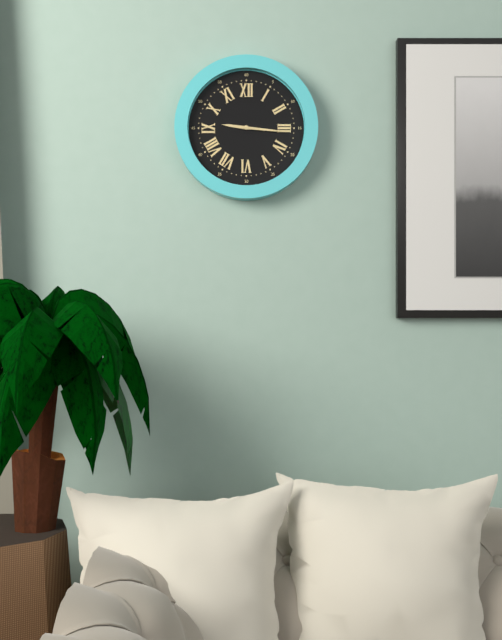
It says 9:16
